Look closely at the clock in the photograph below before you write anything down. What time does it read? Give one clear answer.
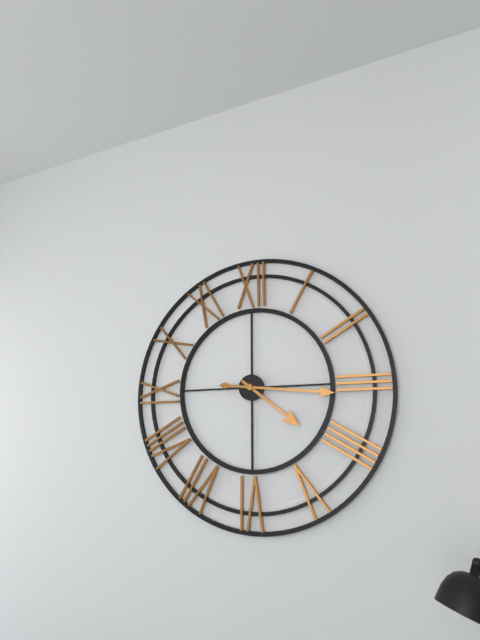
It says 4:16
